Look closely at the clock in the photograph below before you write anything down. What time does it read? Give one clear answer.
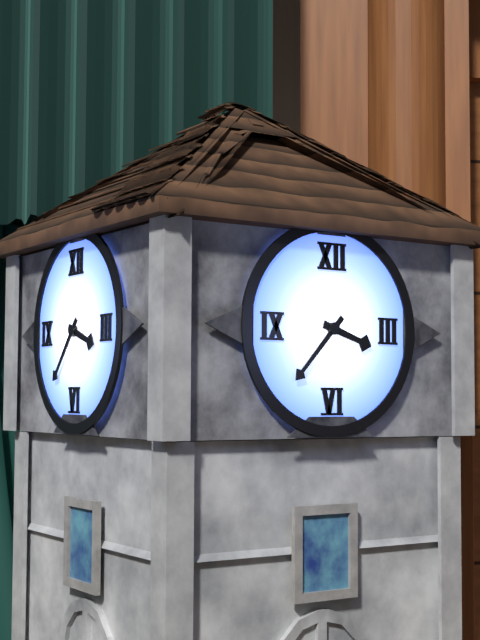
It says 3:37
